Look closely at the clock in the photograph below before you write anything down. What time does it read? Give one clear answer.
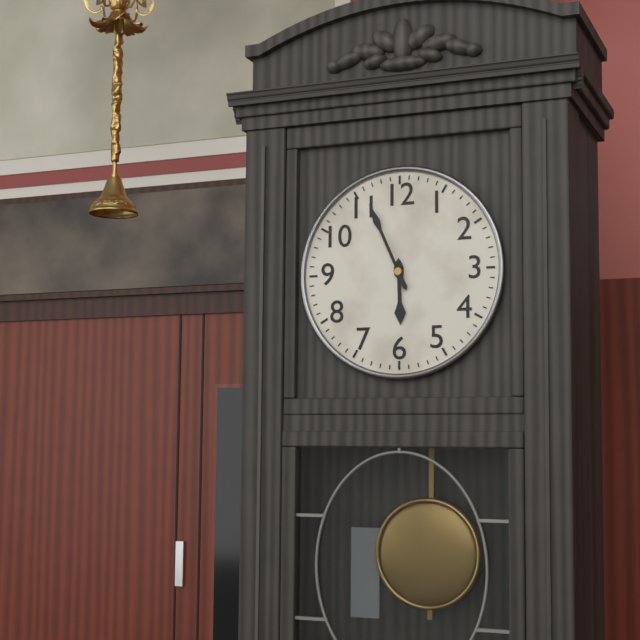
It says 5:56
